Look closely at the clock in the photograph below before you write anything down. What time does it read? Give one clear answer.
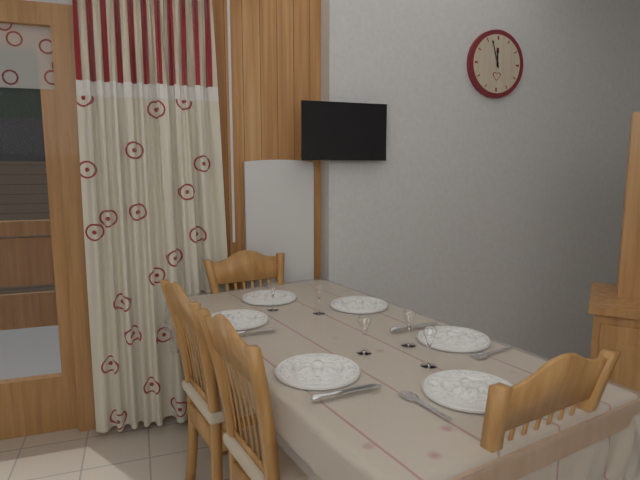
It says 11:57
